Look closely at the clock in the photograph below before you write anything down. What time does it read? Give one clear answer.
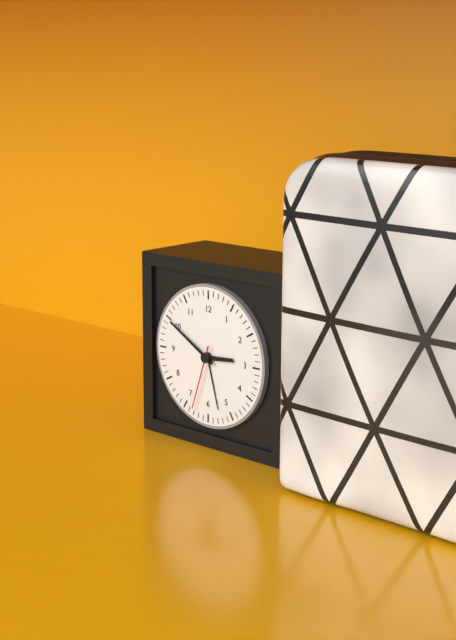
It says 2:50:33
